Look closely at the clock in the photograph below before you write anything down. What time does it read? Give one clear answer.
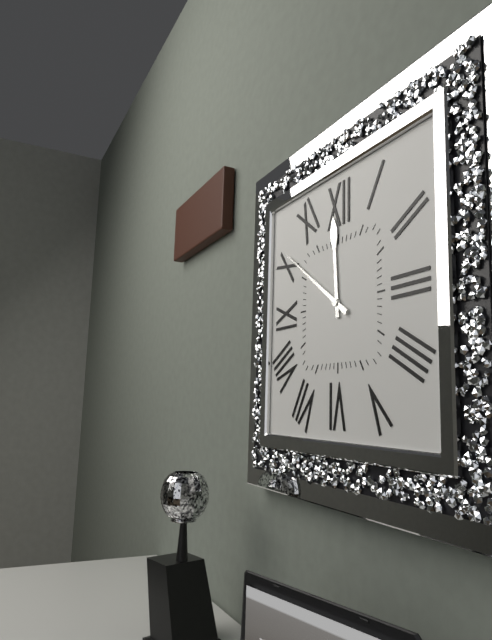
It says 11:51
